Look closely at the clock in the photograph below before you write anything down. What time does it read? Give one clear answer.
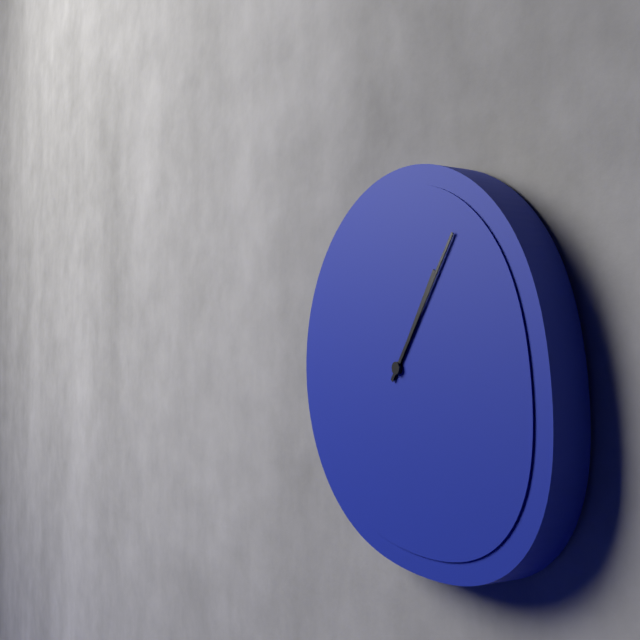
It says 1:06
